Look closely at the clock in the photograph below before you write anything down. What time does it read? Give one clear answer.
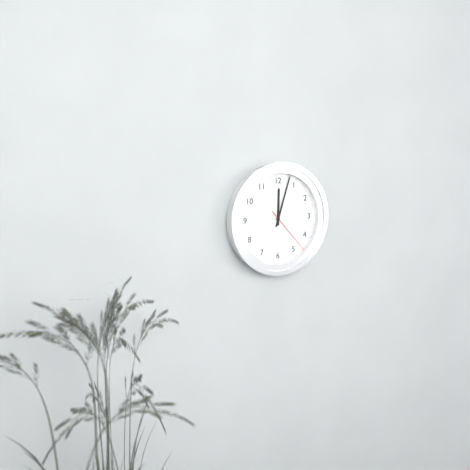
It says 12:03:23
